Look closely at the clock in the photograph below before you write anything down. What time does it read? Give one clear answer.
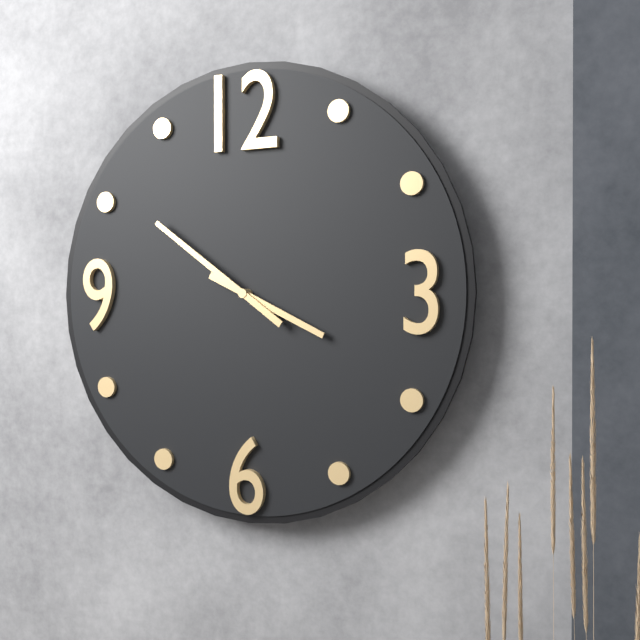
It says 3:51
